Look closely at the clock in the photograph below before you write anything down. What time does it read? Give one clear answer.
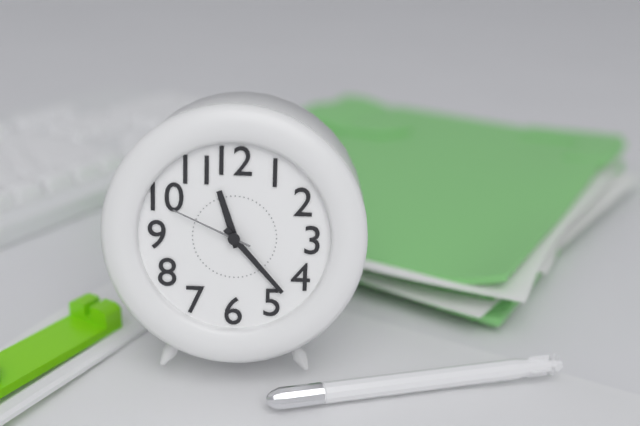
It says 11:23:49
